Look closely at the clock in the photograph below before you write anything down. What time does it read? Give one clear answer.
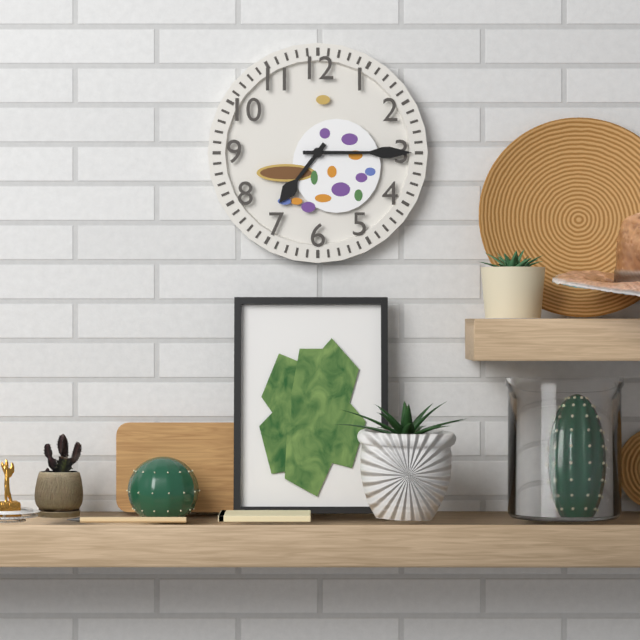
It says 7:15
